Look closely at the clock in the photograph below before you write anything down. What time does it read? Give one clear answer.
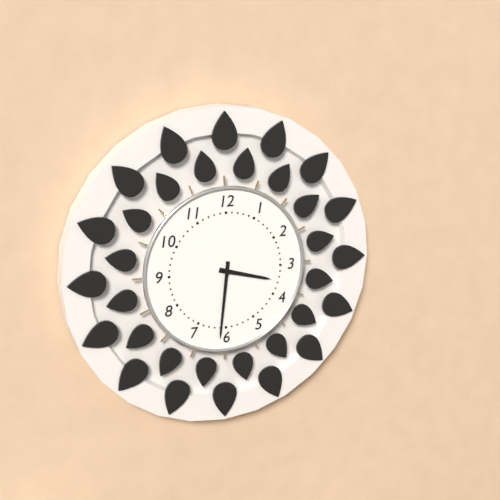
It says 3:31
